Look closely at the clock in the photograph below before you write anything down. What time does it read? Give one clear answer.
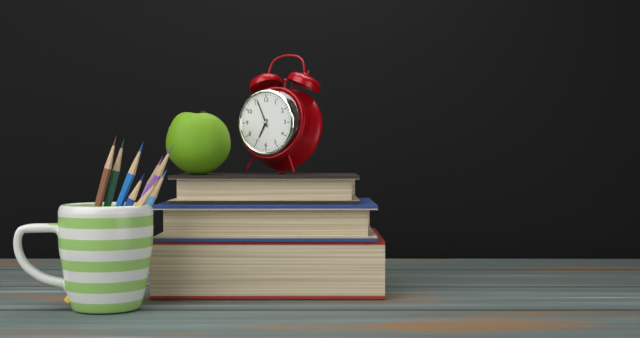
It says 6:56
